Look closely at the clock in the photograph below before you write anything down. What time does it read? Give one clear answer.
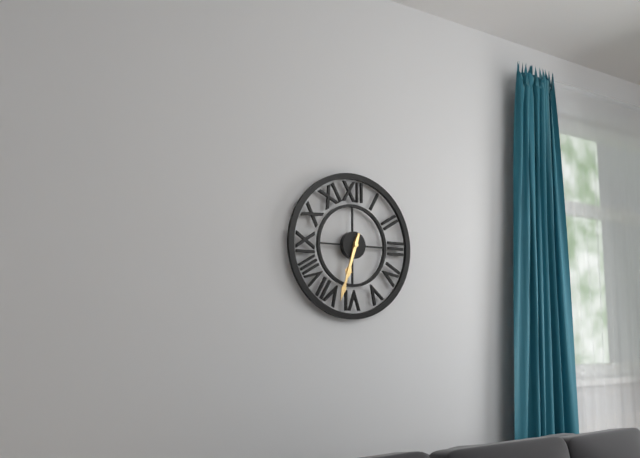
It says 6:33
